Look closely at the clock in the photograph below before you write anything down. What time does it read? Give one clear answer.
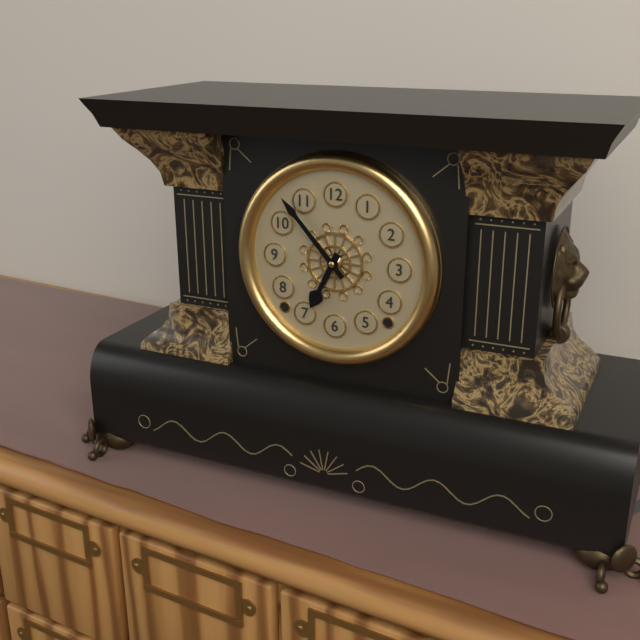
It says 6:53
